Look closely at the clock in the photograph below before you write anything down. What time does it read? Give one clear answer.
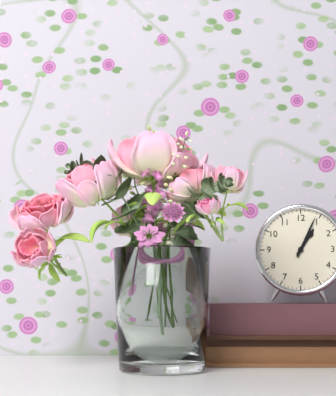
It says 1:04
